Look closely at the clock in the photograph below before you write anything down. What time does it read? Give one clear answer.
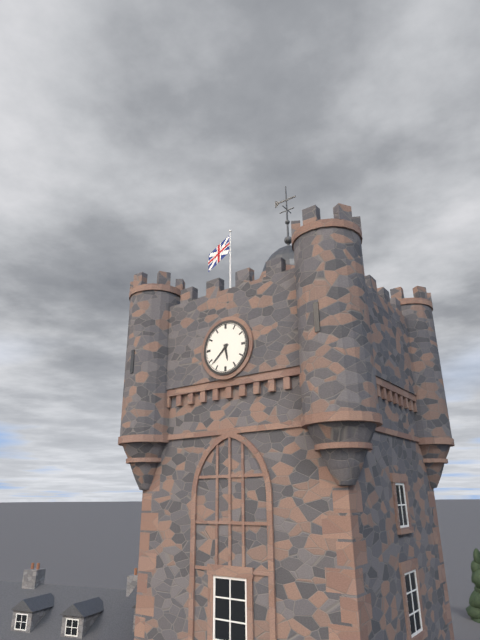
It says 5:38
